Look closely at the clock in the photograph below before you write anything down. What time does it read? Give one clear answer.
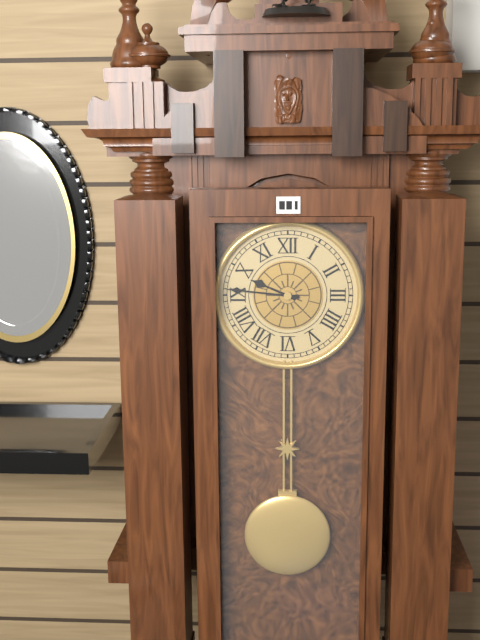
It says 9:46
